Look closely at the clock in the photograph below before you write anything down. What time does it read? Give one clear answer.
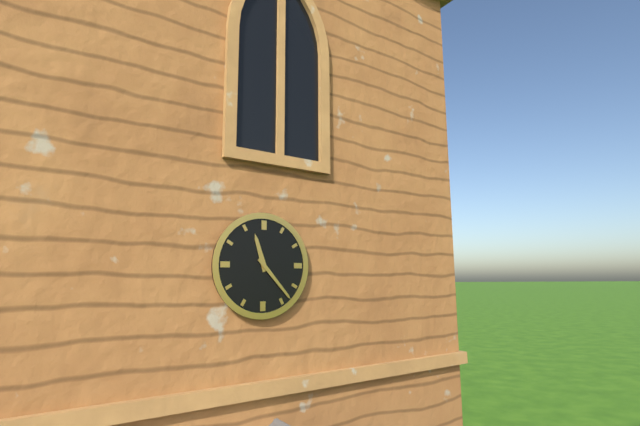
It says 11:23
